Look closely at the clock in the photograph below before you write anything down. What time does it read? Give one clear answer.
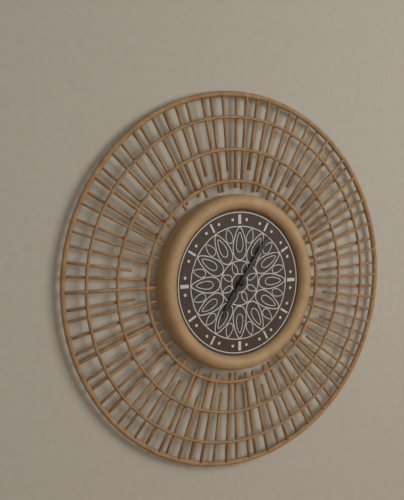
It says 7:06
